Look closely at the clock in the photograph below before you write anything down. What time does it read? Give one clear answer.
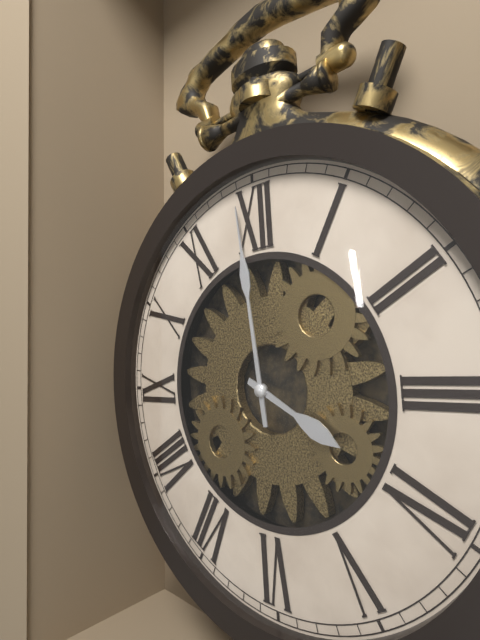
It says 3:59
